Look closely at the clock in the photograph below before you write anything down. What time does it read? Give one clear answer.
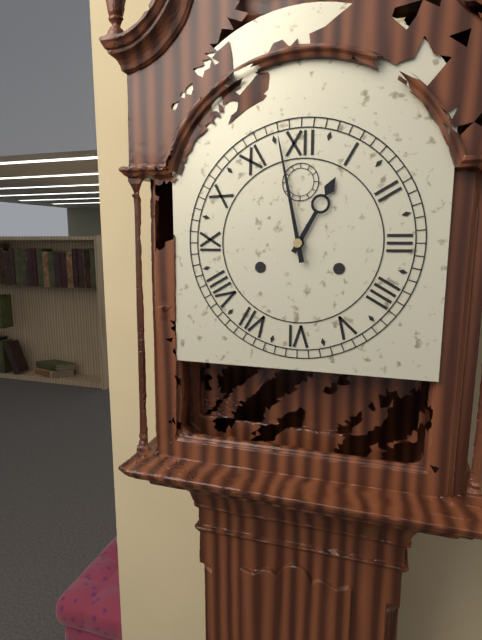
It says 12:58
